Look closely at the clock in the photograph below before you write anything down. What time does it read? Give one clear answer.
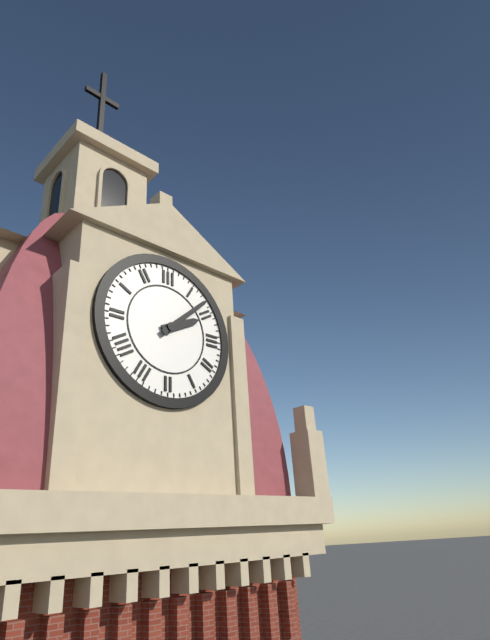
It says 2:08
